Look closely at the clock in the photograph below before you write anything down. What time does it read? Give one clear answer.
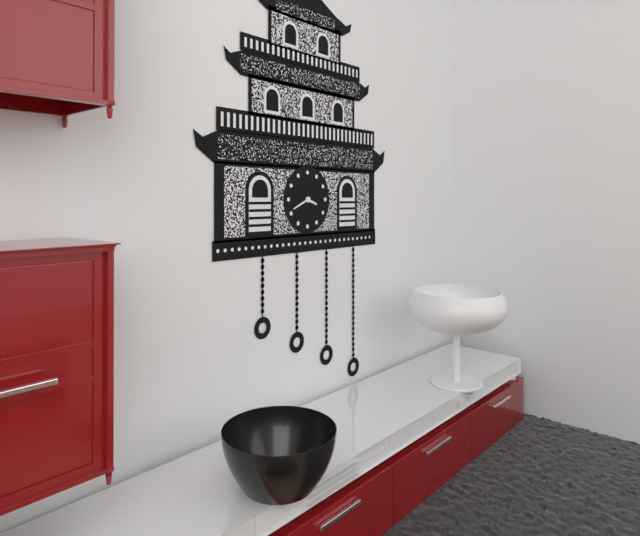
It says 3:41
